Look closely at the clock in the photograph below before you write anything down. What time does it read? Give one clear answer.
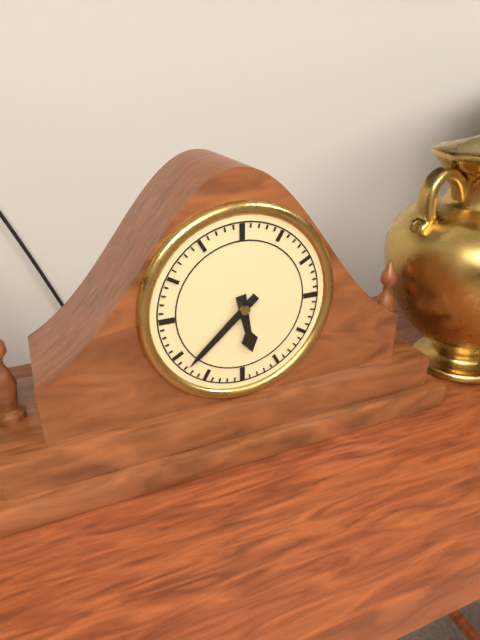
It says 5:38
